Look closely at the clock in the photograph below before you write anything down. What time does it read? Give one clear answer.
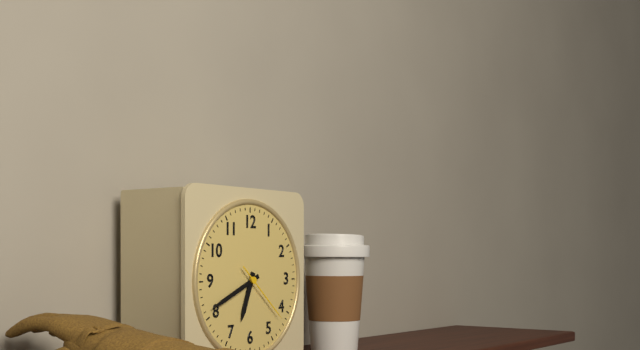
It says 6:41:22
